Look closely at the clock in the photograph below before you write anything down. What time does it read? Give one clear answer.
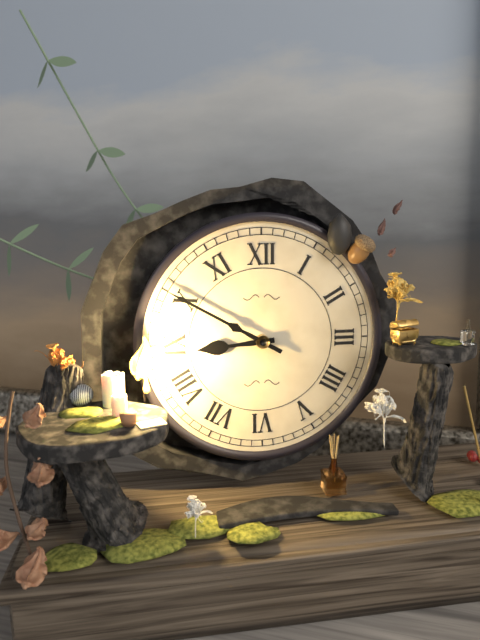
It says 8:50
